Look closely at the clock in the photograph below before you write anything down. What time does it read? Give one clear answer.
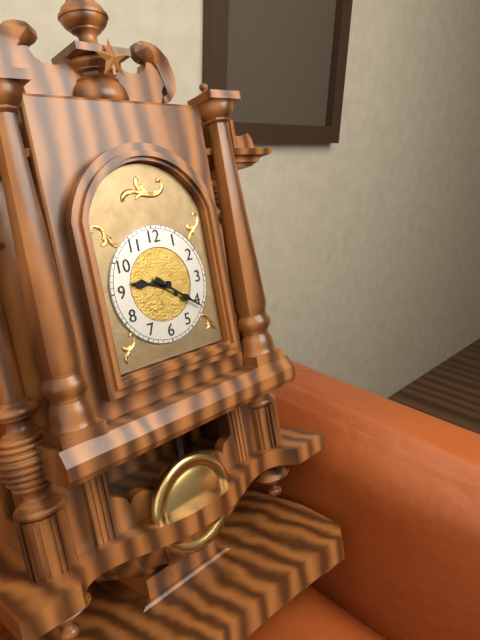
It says 9:21
